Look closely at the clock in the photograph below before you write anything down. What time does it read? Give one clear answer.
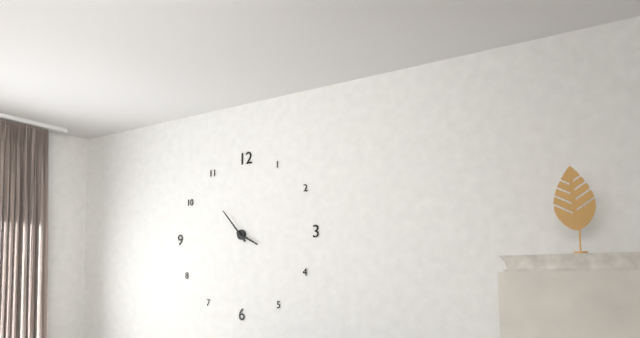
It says 3:53
